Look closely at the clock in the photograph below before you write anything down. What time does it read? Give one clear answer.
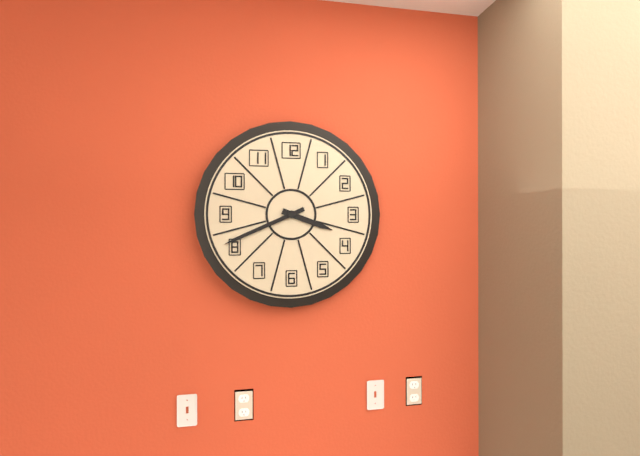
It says 3:41
